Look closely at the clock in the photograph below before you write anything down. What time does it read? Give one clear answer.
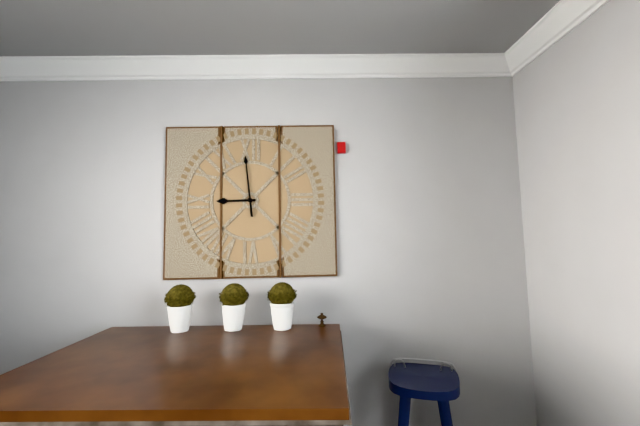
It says 8:59
